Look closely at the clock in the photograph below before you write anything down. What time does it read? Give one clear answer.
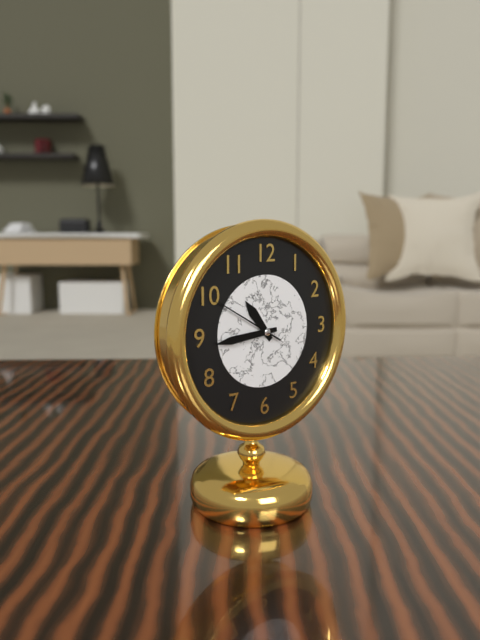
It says 10:44:50
